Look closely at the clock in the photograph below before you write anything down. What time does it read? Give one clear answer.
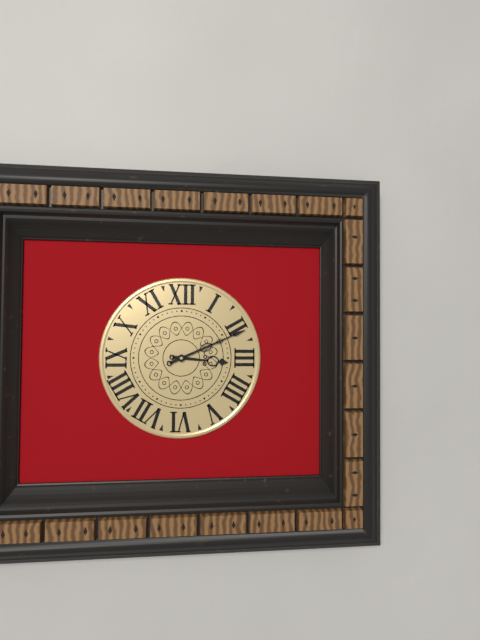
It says 3:11
